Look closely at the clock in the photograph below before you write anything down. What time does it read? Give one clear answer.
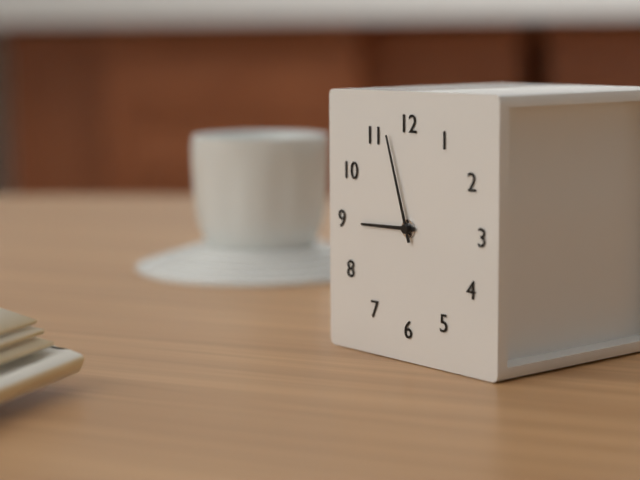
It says 8:57
